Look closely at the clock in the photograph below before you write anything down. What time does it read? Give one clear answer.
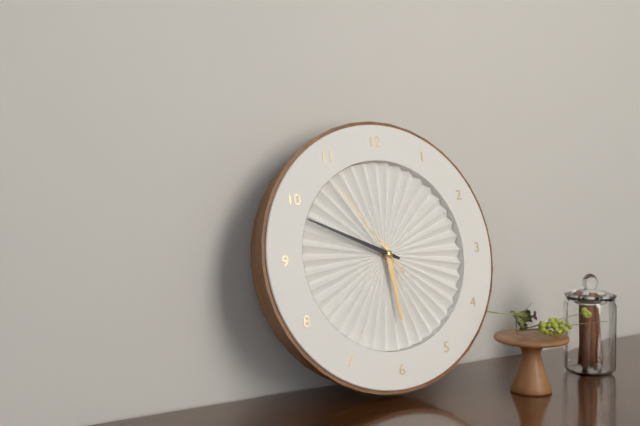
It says 5:49:54
